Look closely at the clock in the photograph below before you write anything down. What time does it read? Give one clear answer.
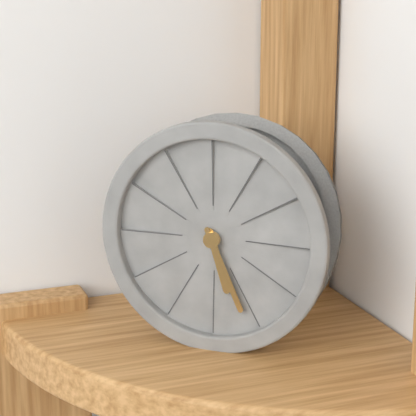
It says 5:26
